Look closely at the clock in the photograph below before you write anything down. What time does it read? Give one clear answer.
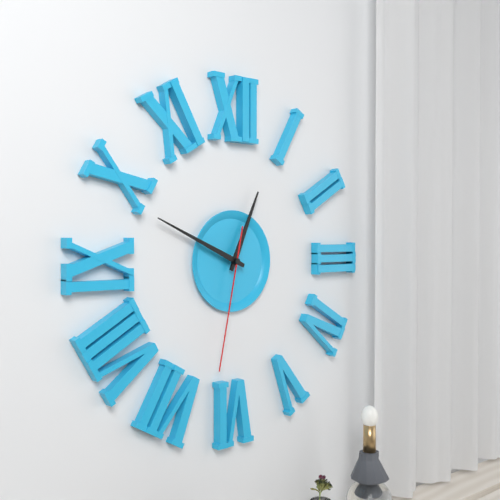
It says 12:49:32
